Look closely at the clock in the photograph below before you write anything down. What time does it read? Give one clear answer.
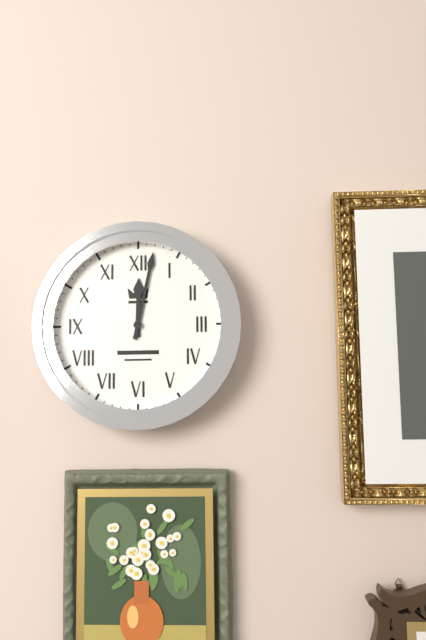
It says 12:02
